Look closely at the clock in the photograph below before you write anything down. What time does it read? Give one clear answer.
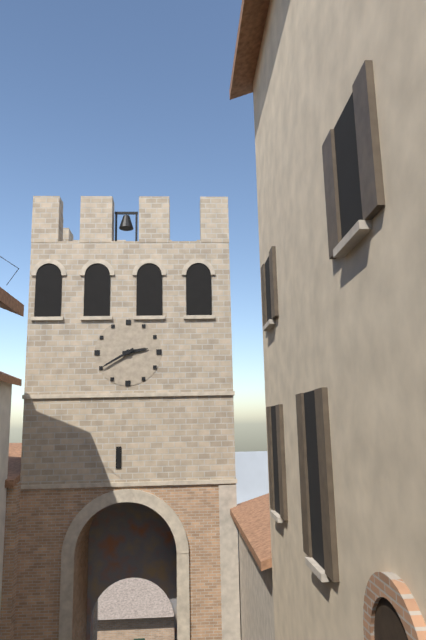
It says 2:40
